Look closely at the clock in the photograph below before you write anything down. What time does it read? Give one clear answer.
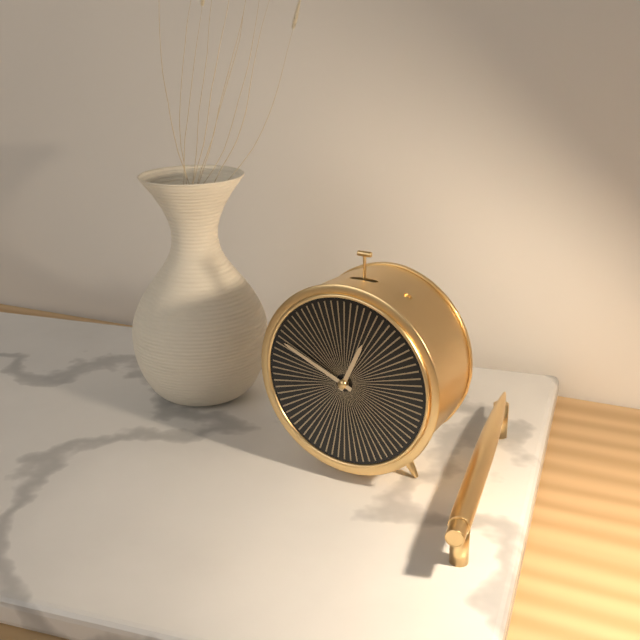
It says 12:49
